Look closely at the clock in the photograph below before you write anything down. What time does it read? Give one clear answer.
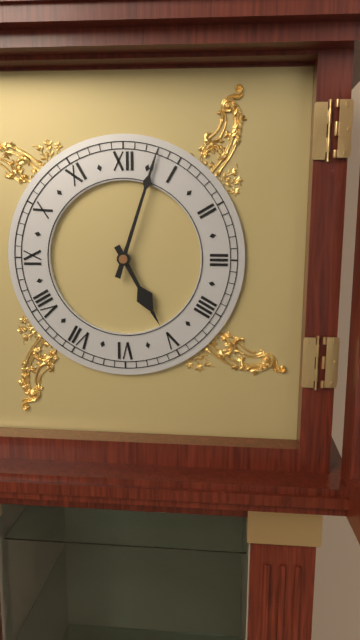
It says 5:03
